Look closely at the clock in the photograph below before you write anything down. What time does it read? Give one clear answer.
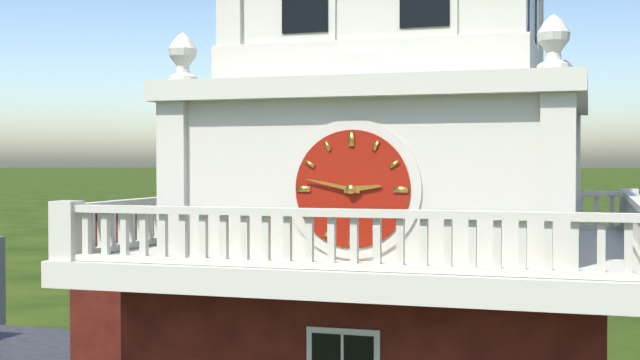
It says 2:47
